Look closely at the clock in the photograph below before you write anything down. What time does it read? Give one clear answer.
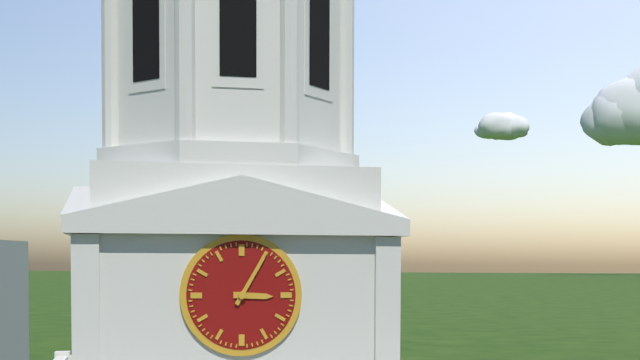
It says 3:05
